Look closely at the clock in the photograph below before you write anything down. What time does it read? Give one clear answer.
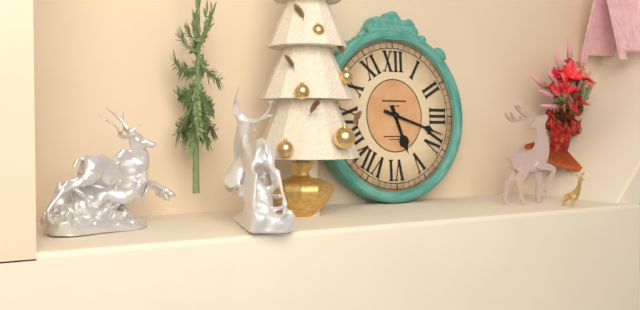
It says 5:18
